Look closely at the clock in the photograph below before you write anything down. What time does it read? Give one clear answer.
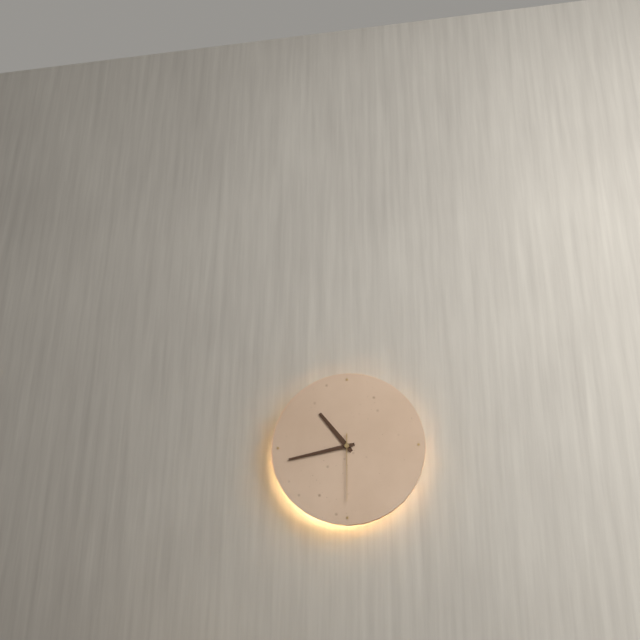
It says 10:43:30
